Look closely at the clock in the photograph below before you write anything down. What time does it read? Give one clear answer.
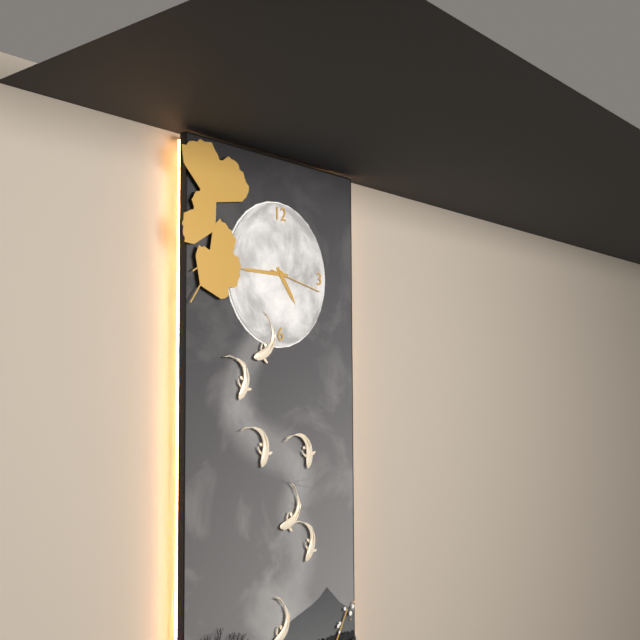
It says 4:45:17
